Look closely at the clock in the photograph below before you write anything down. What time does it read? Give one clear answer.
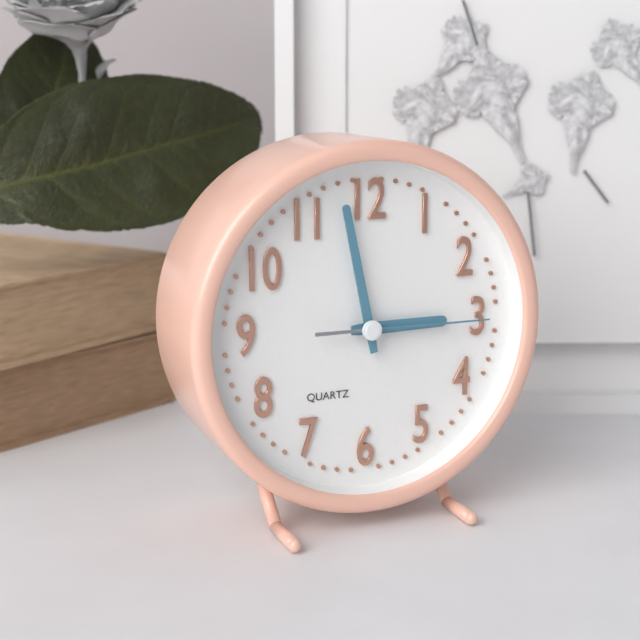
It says 2:58:15
